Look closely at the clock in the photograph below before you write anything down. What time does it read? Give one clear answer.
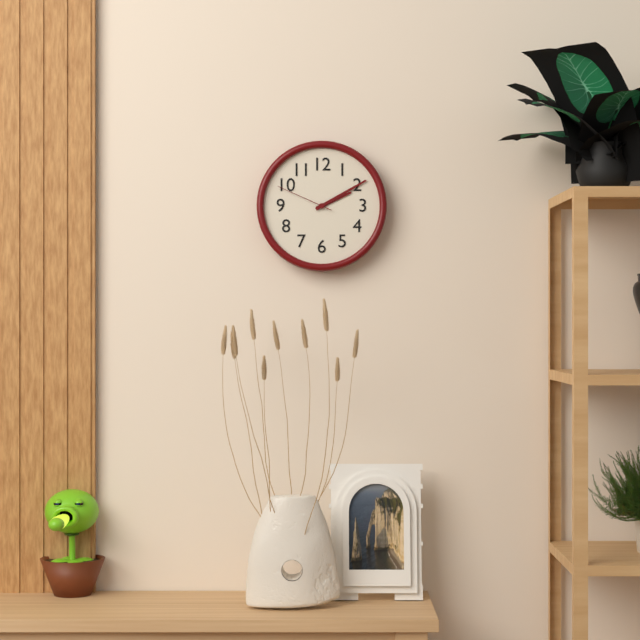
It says 2:10:49
